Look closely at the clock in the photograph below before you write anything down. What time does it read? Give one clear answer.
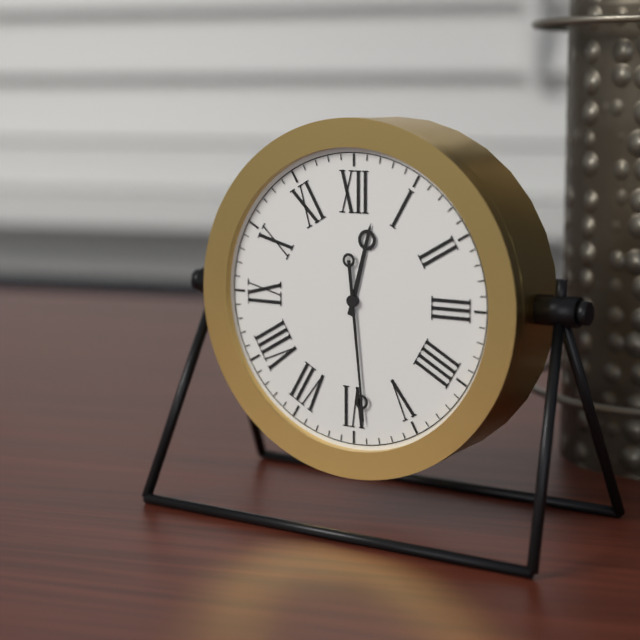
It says 12:29
